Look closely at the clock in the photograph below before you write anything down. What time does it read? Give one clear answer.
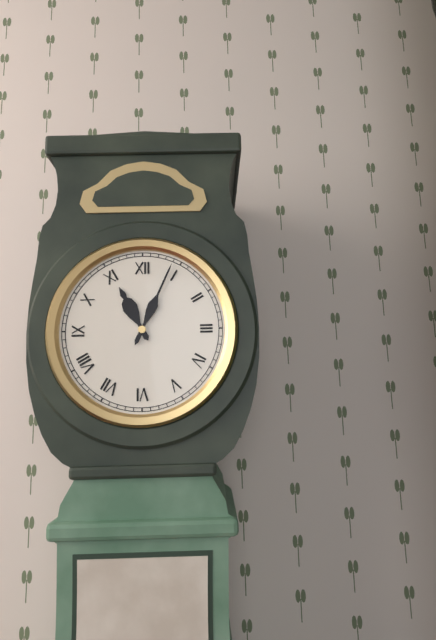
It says 11:04
